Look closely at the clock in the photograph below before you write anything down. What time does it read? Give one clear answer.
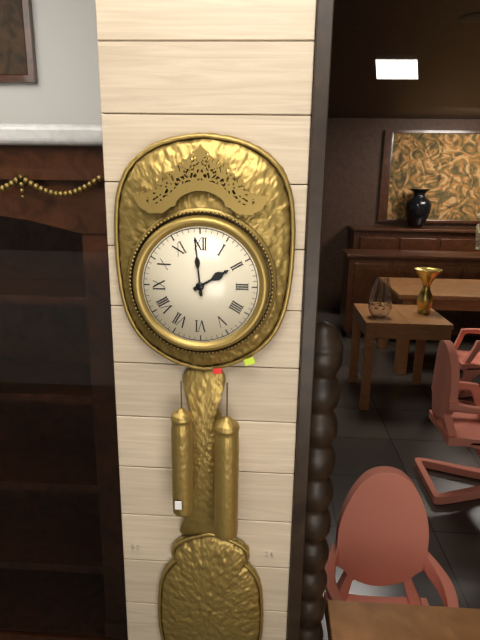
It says 1:59
